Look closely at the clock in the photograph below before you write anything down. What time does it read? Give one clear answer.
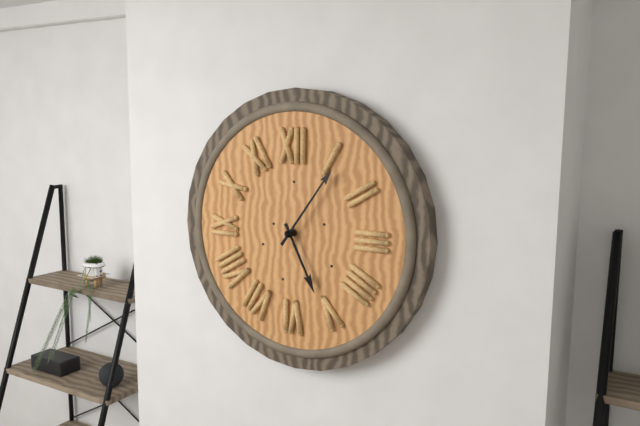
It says 5:06
